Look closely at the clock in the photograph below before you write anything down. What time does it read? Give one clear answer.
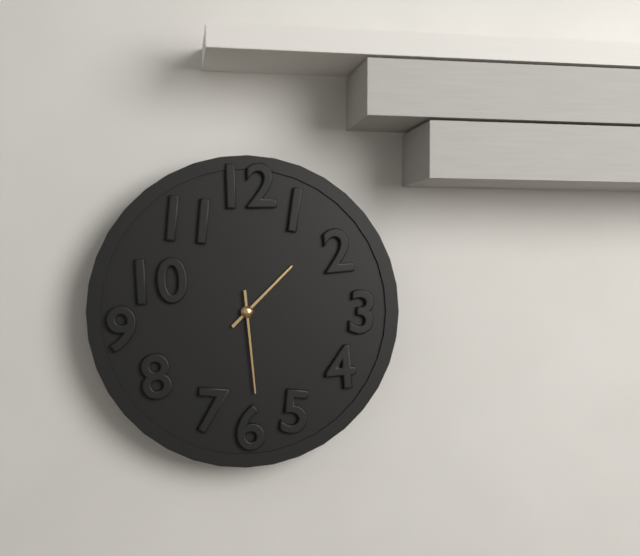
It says 1:29
